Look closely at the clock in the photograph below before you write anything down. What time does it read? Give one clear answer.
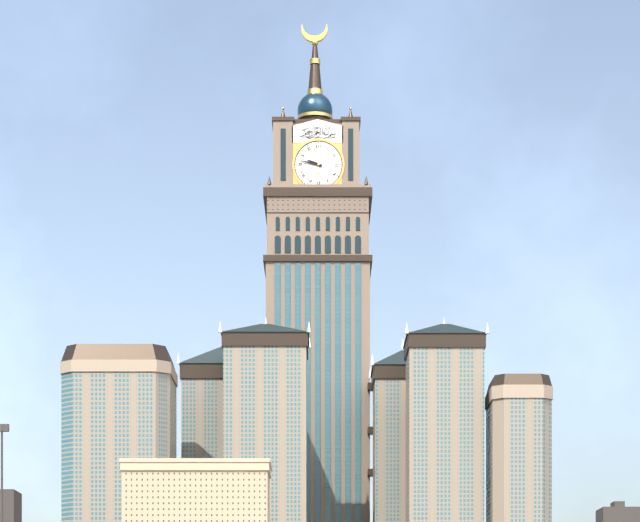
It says 9:47
